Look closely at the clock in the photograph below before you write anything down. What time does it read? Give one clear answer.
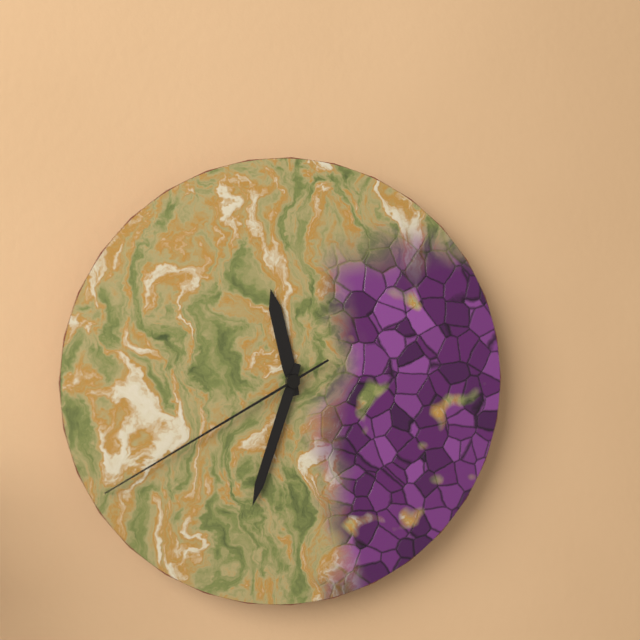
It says 11:33:40
